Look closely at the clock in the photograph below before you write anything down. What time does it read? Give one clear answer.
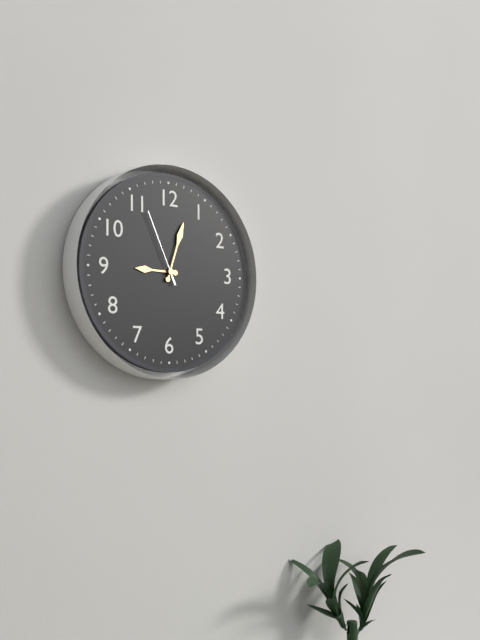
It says 9:03:56
